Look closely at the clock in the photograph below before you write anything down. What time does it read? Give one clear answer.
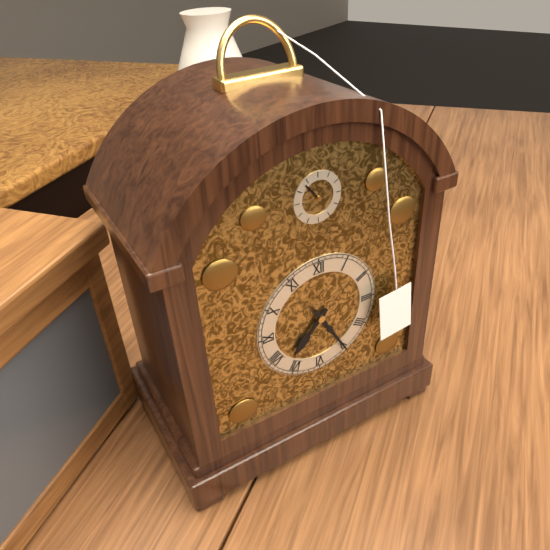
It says 7:25
